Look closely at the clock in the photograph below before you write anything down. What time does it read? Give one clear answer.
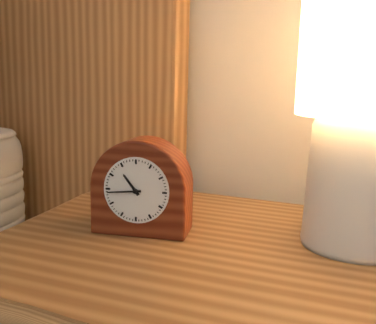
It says 10:44
